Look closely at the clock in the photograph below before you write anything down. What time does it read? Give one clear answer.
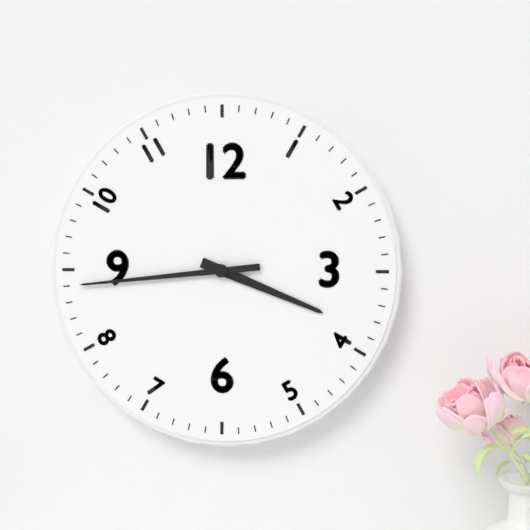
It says 3:44
